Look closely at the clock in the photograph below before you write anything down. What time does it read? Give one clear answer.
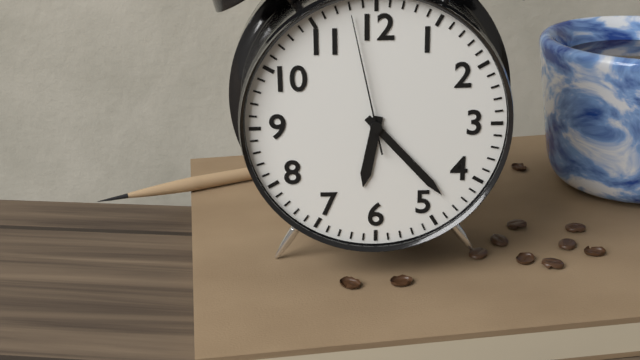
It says 6:23:58
